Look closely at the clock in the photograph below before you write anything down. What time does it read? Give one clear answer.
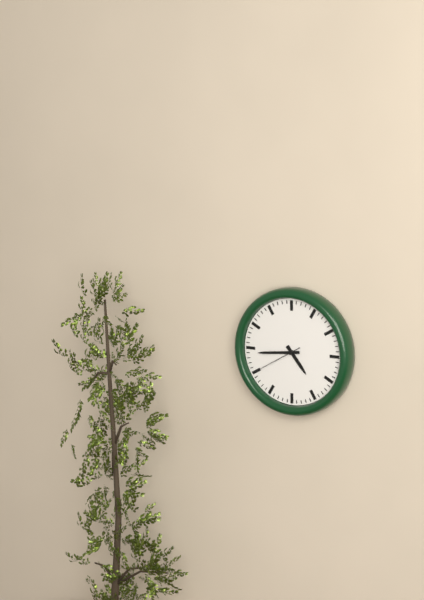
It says 4:44:40
